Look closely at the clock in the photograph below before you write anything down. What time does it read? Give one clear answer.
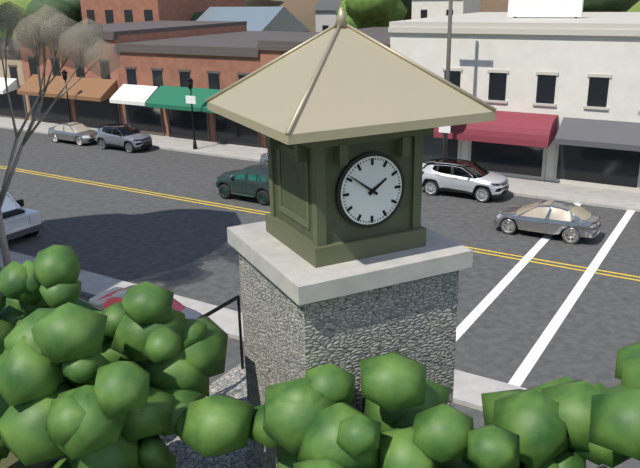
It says 1:51
